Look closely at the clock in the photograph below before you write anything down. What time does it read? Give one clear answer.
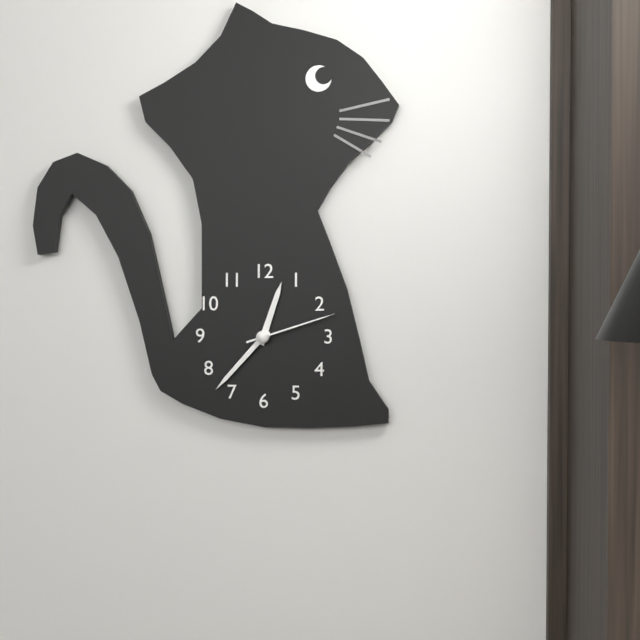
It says 12:37:12
